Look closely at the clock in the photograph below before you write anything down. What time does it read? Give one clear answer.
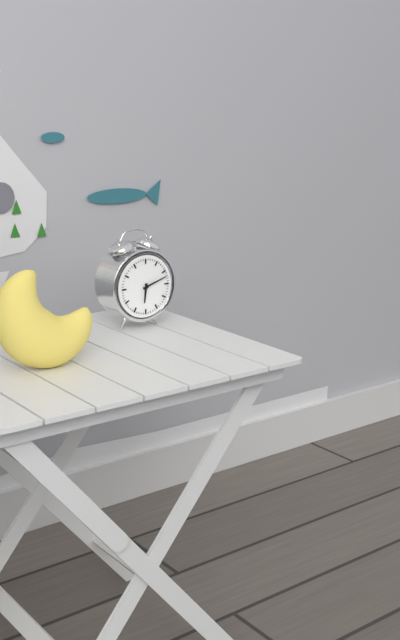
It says 6:12
